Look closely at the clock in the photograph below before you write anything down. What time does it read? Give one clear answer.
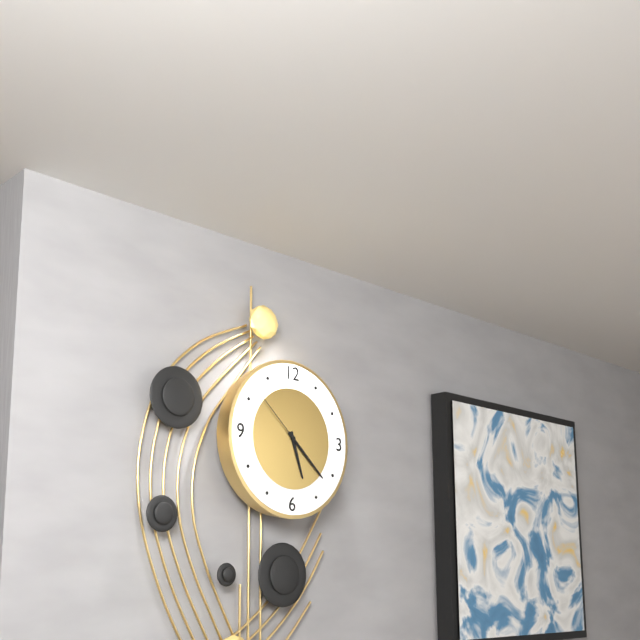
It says 5:22:52
